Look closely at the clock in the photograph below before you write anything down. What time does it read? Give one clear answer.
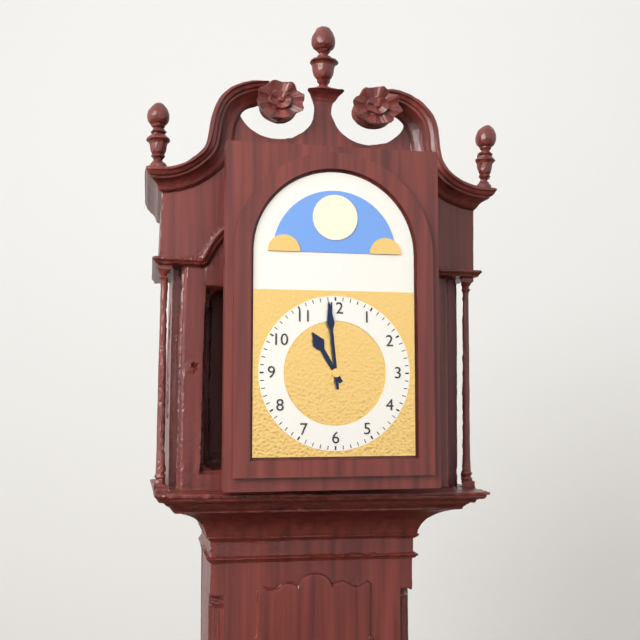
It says 10:59
